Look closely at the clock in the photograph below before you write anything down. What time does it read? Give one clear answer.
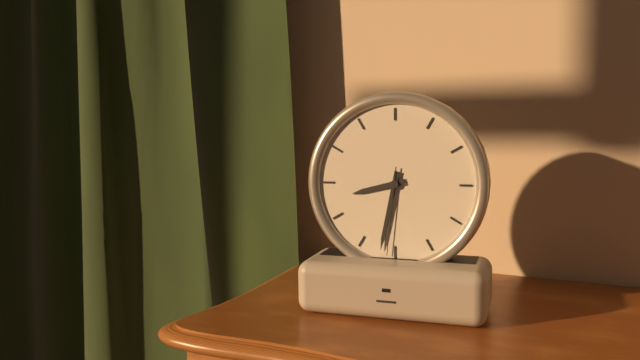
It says 8:32:31
